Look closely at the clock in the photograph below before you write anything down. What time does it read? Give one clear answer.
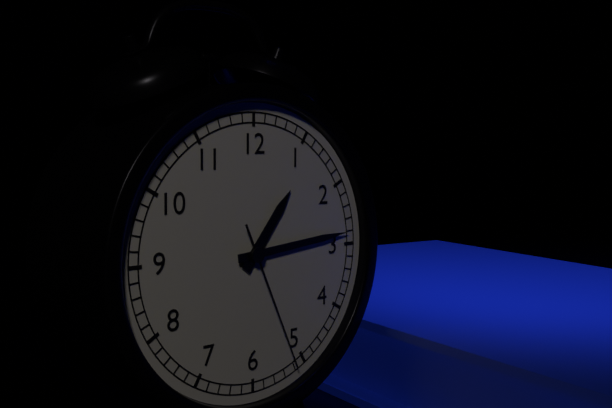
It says 1:14:26
